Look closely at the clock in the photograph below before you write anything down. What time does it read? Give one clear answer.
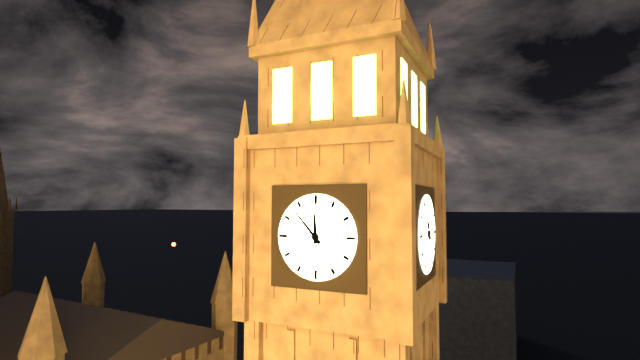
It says 11:53
